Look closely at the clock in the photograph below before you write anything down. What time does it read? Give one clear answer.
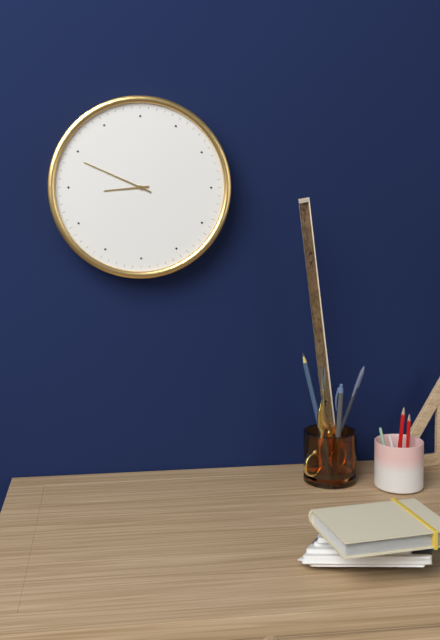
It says 8:49
